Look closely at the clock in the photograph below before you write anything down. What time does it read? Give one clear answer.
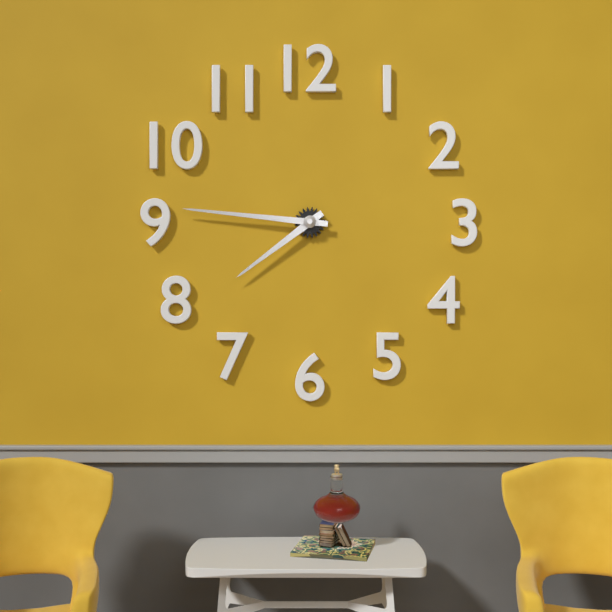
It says 7:46
